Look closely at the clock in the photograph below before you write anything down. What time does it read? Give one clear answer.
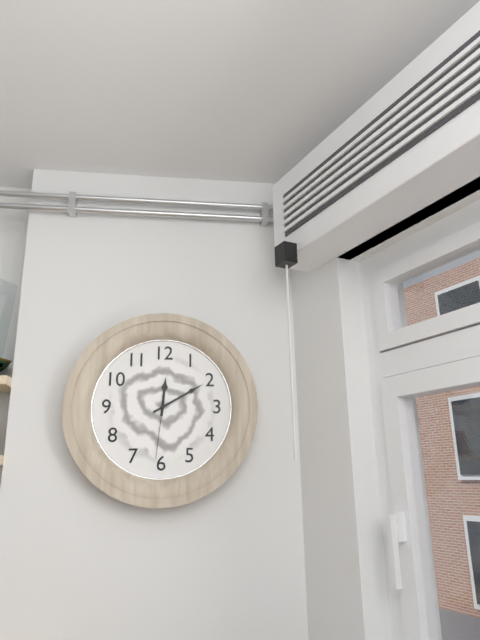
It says 12:10:31
